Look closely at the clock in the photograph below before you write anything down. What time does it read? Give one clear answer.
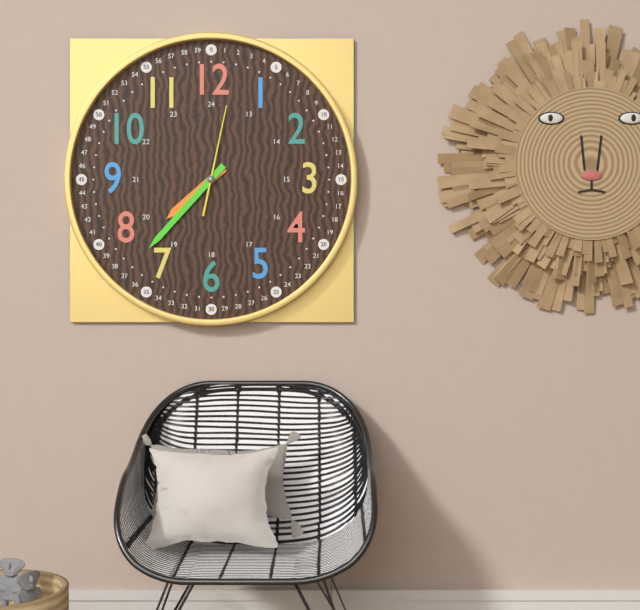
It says 7:37:02
